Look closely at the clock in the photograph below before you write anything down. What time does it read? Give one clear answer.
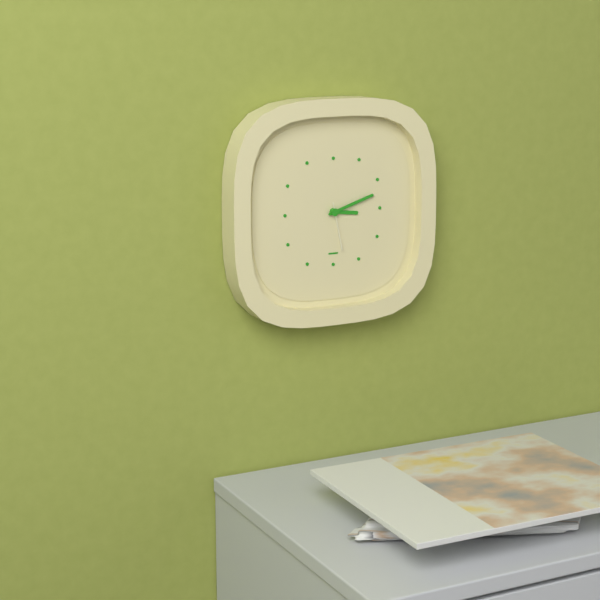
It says 3:12
